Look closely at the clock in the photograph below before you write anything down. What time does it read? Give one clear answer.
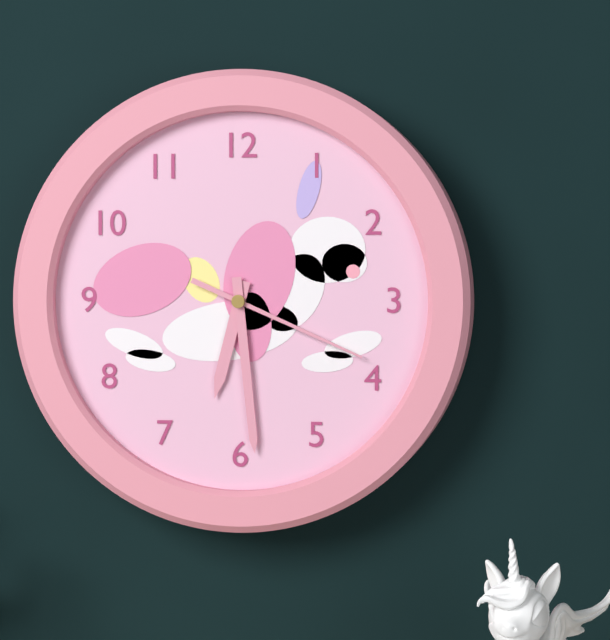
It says 6:29:19
